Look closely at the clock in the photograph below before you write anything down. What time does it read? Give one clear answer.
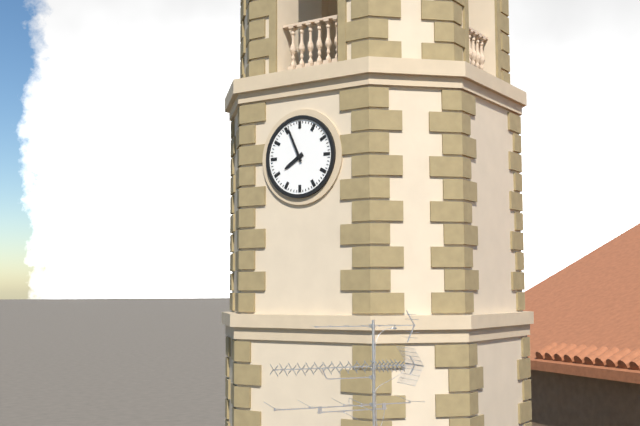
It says 7:56
